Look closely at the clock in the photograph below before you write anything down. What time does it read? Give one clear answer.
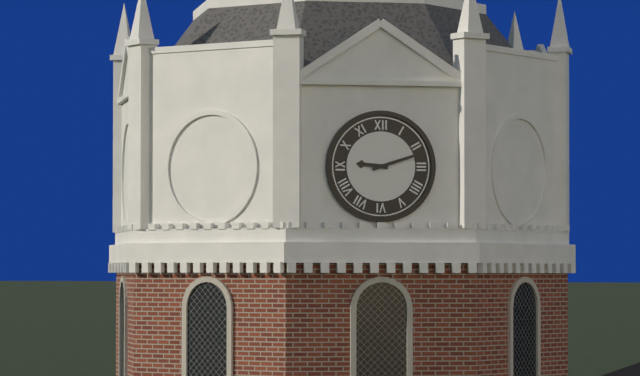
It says 9:12
